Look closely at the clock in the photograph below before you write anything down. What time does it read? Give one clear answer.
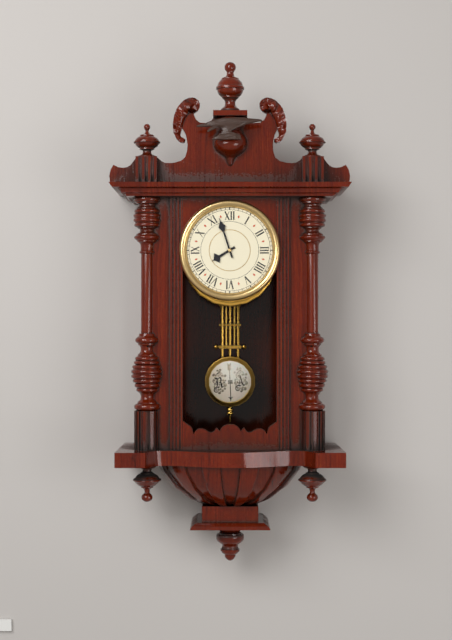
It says 7:57
